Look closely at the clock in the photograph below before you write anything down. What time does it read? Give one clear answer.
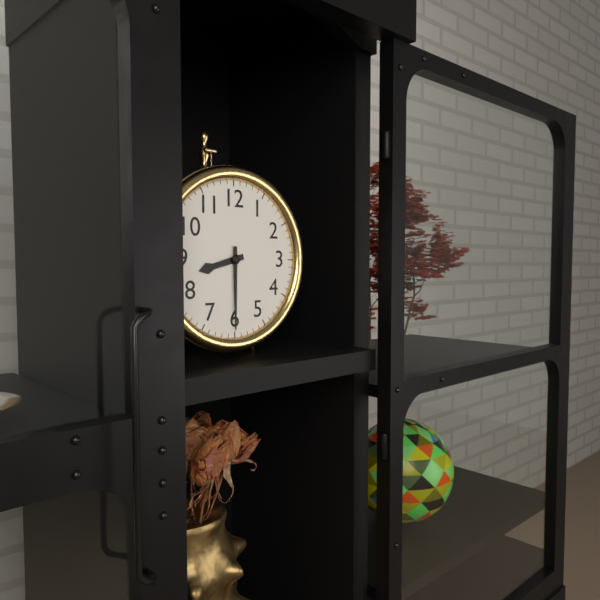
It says 8:30
